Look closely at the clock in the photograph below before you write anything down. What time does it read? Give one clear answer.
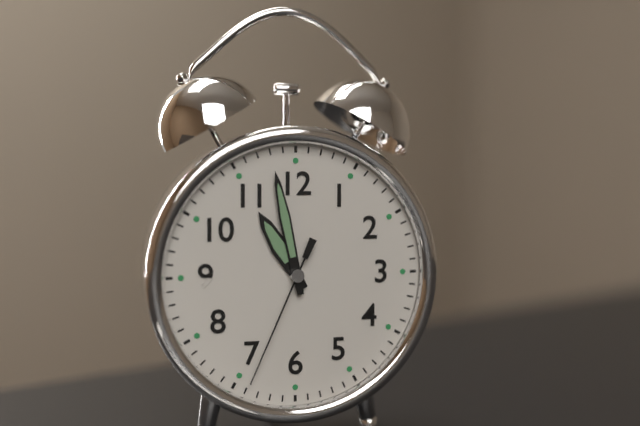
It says 10:58:34
